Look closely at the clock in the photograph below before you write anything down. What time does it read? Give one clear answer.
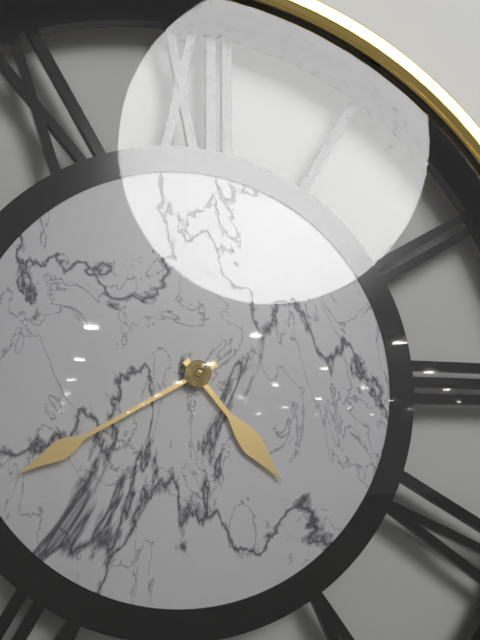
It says 4:40
